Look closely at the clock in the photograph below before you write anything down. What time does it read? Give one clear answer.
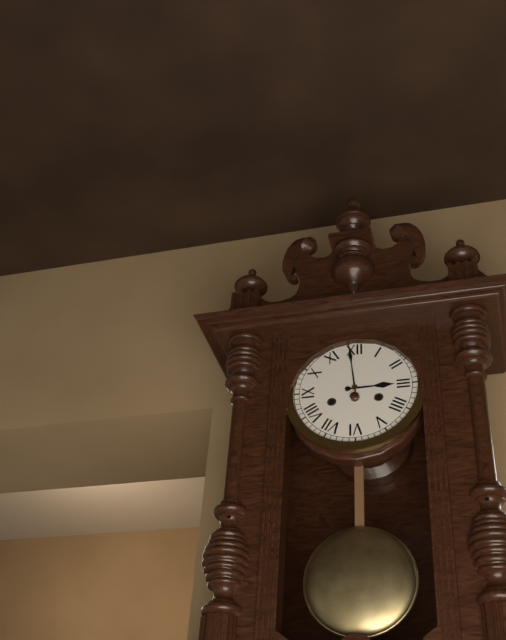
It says 2:59
